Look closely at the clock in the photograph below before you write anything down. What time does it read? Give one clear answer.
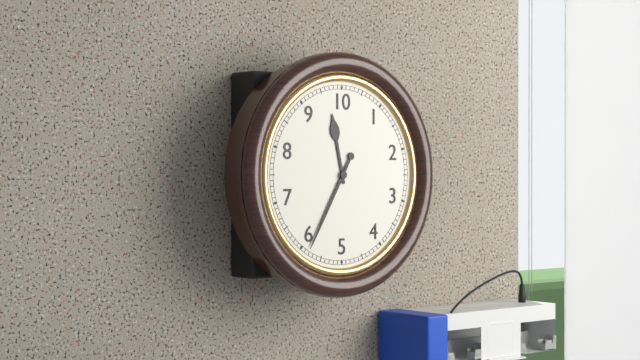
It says 11:35
